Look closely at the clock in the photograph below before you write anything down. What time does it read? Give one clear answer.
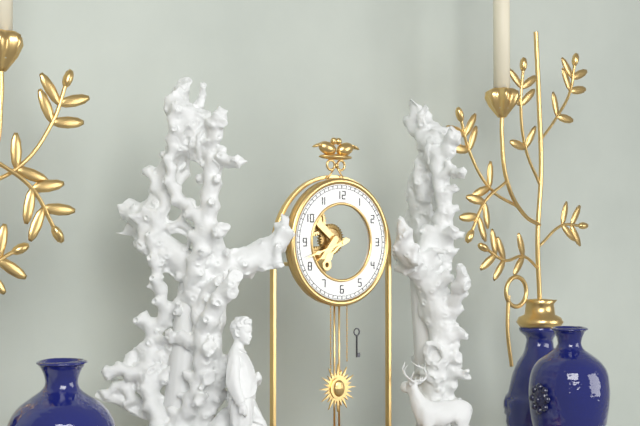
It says 7:42
